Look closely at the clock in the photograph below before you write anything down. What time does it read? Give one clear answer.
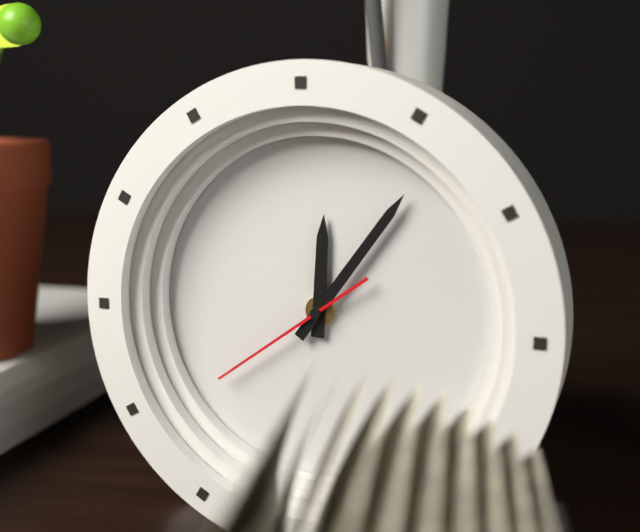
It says 12:06:39
